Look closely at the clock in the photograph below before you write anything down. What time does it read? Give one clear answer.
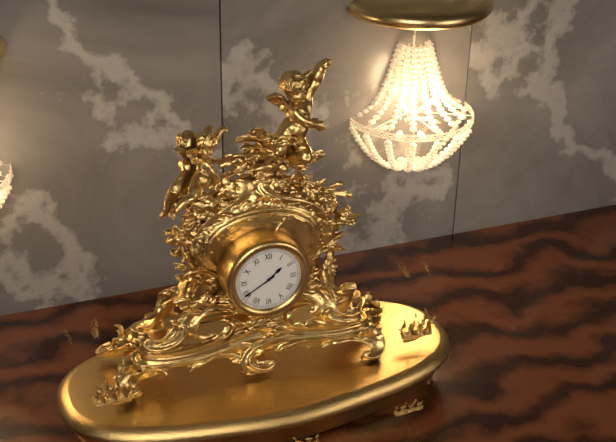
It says 1:40
